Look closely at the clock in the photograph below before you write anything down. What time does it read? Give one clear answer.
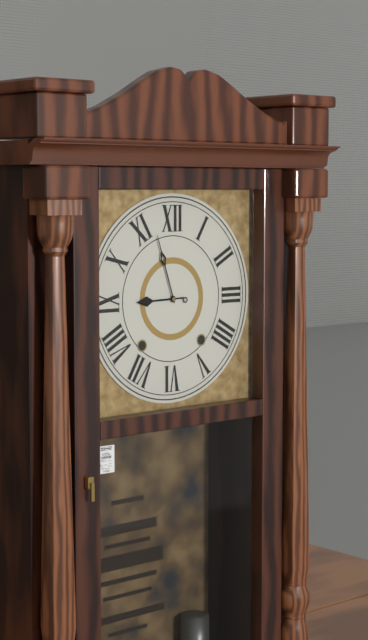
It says 8:57
